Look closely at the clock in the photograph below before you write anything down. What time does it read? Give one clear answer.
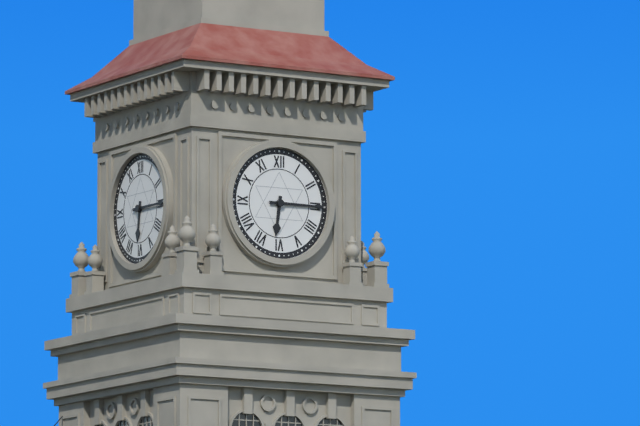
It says 6:15
